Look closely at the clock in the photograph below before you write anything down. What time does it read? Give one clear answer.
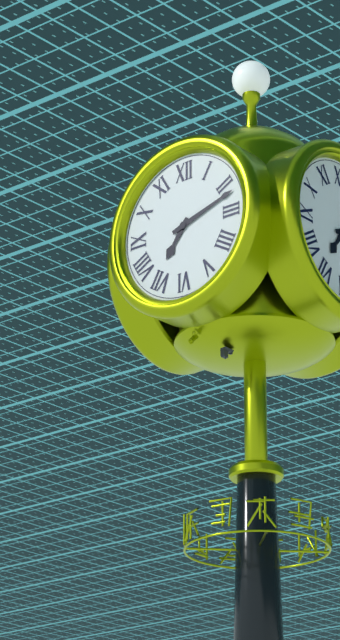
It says 7:12
